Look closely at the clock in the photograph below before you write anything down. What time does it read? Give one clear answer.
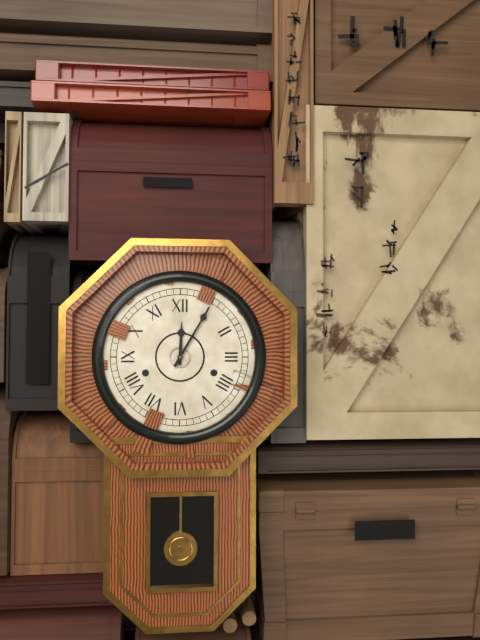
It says 12:05
